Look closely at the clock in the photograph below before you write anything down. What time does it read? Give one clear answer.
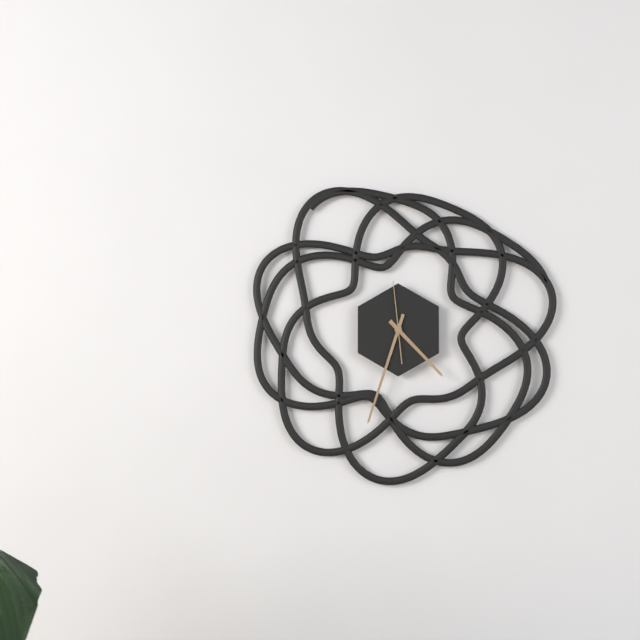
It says 4:33:59
